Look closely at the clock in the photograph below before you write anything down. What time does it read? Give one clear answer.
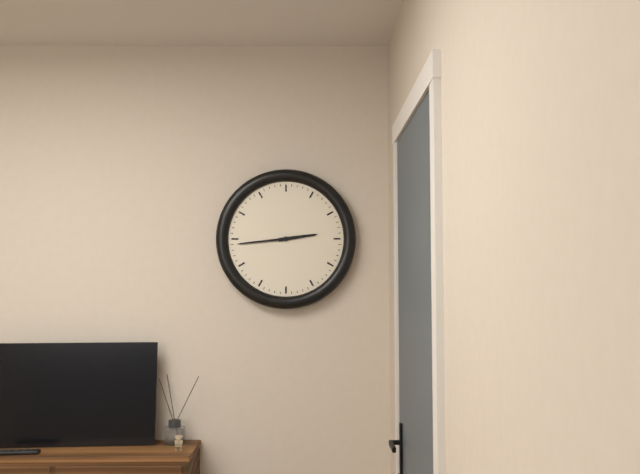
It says 2:44
